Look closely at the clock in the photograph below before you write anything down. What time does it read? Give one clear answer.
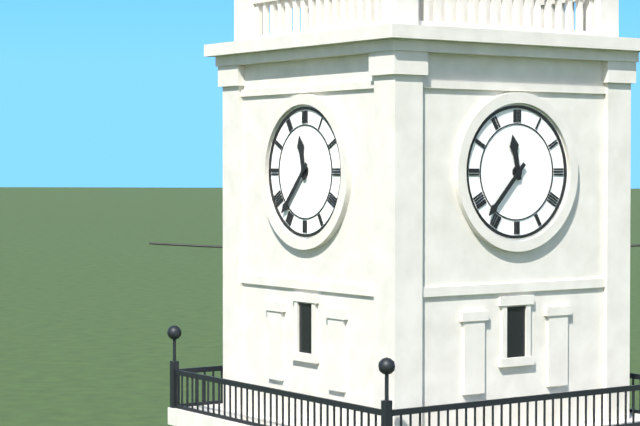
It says 11:37
